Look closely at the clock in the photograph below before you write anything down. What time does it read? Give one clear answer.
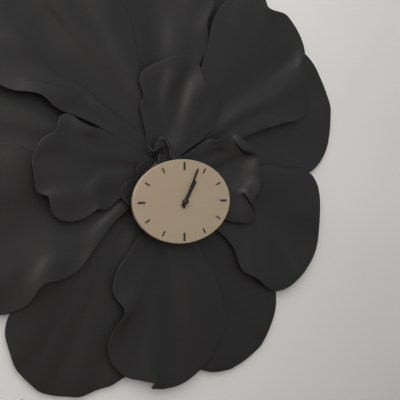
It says 1:04
